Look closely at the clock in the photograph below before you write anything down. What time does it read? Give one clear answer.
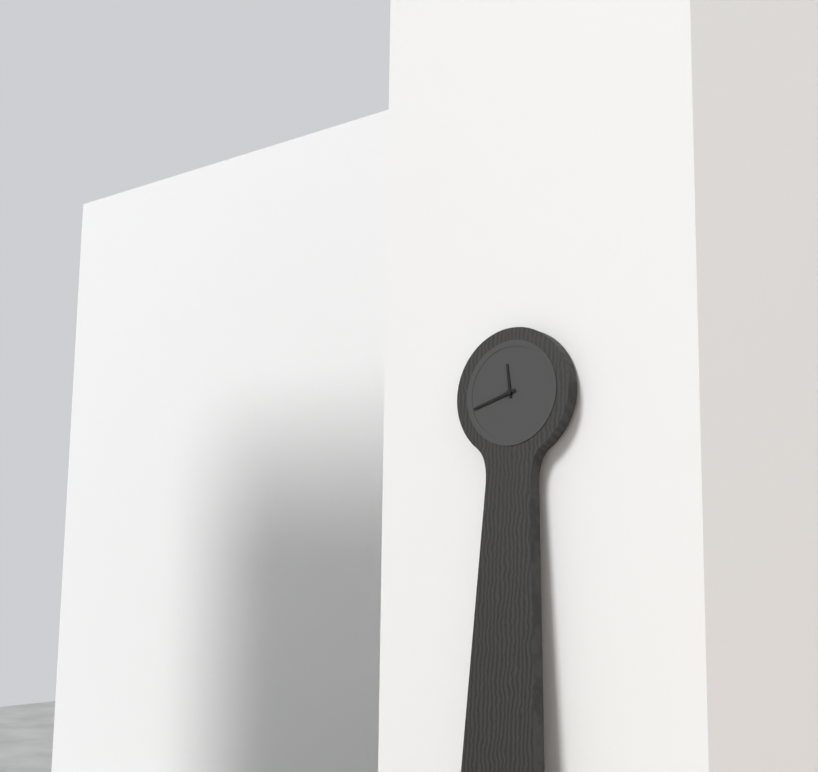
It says 11:42
